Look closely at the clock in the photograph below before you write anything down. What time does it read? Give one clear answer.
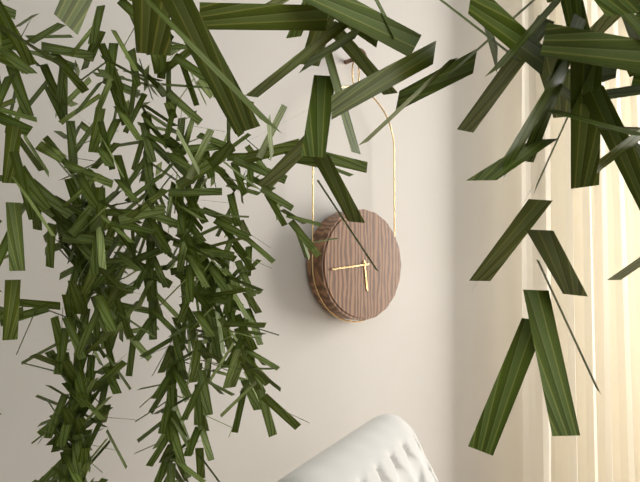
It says 5:44
